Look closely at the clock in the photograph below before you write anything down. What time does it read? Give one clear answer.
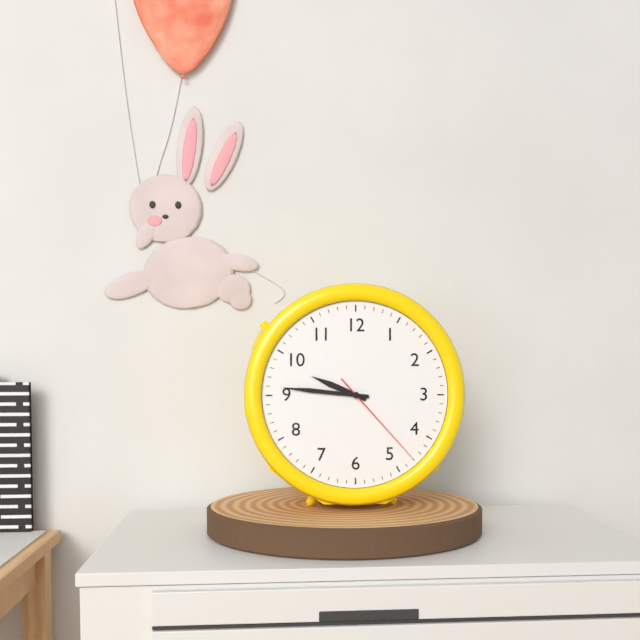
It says 9:46:23
